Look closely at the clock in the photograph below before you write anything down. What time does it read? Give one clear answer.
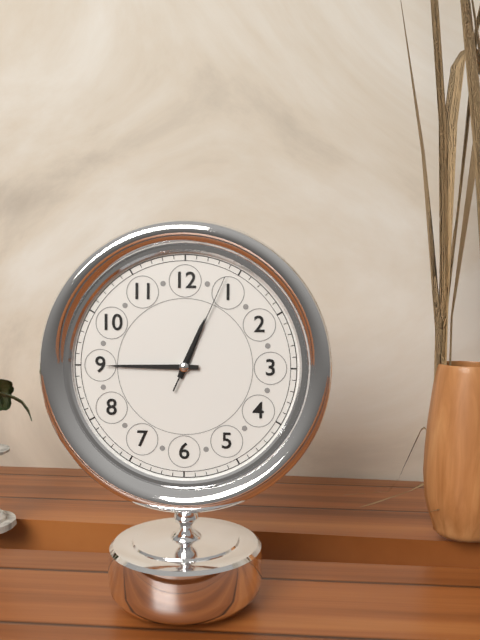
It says 12:45:04
